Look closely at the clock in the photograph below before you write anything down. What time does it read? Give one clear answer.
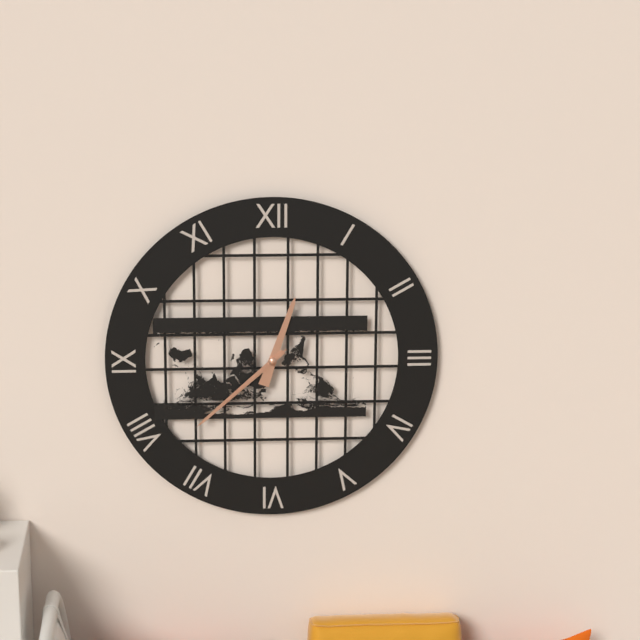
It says 12:38:38
